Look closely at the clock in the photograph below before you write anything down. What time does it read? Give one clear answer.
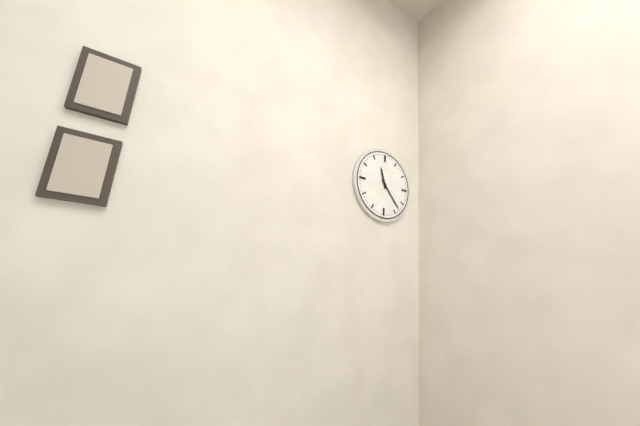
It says 11:23
